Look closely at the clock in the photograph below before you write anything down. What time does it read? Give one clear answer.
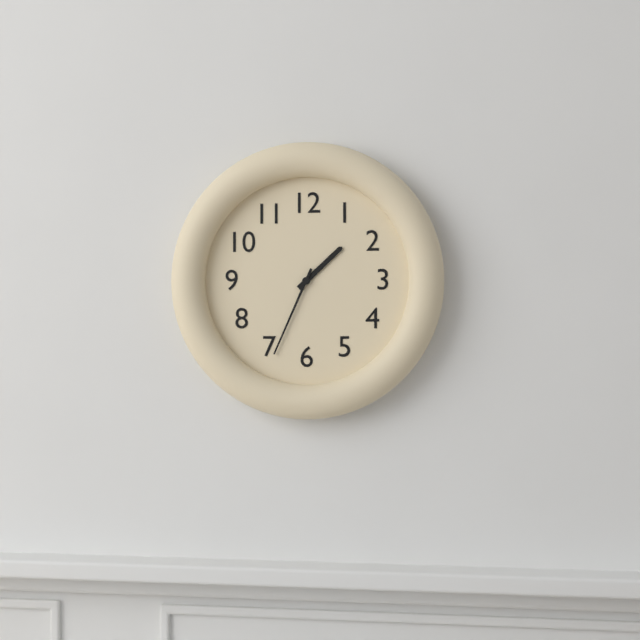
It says 1:34
